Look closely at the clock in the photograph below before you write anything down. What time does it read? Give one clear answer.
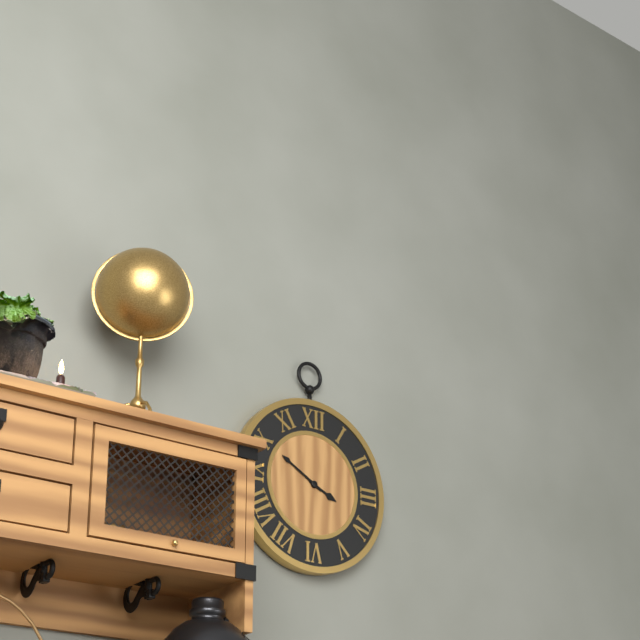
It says 3:50
